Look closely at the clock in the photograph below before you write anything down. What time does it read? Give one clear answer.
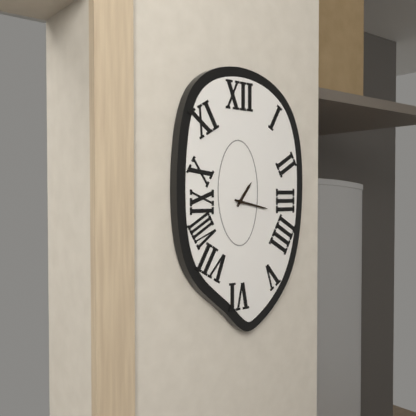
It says 1:17
